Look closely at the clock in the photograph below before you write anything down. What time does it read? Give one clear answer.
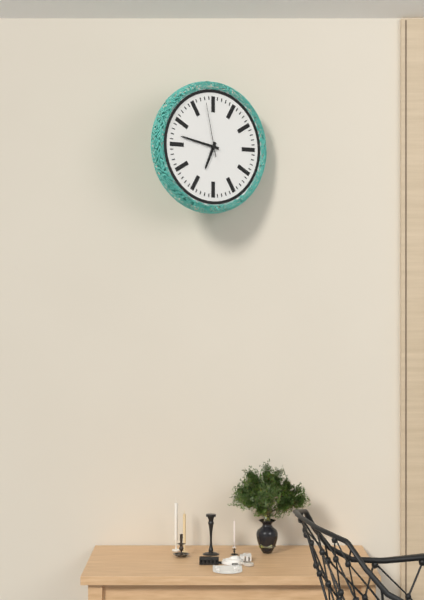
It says 6:47:58
